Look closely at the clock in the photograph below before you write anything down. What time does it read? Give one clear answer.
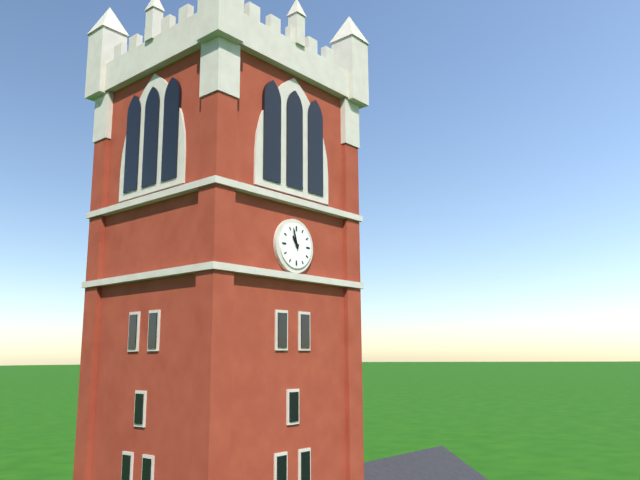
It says 10:57
